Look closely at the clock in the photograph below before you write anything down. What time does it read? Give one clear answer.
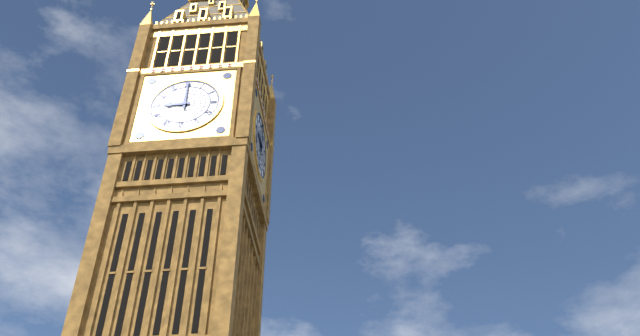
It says 9:00
